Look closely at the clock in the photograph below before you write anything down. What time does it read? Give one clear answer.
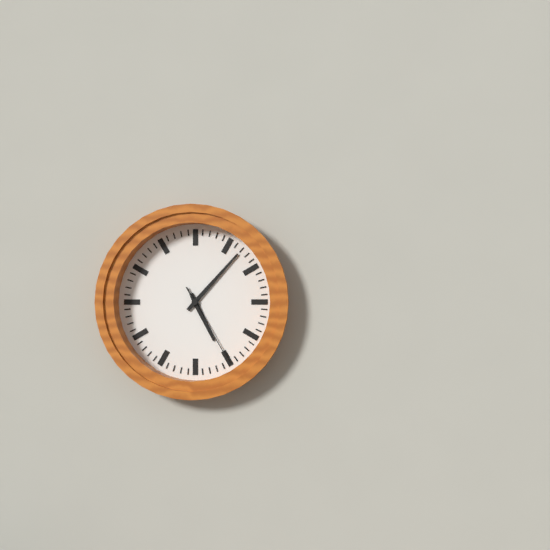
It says 5:07:25
